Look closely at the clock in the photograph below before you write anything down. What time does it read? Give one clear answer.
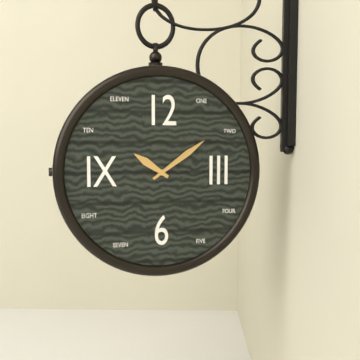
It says 10:09
